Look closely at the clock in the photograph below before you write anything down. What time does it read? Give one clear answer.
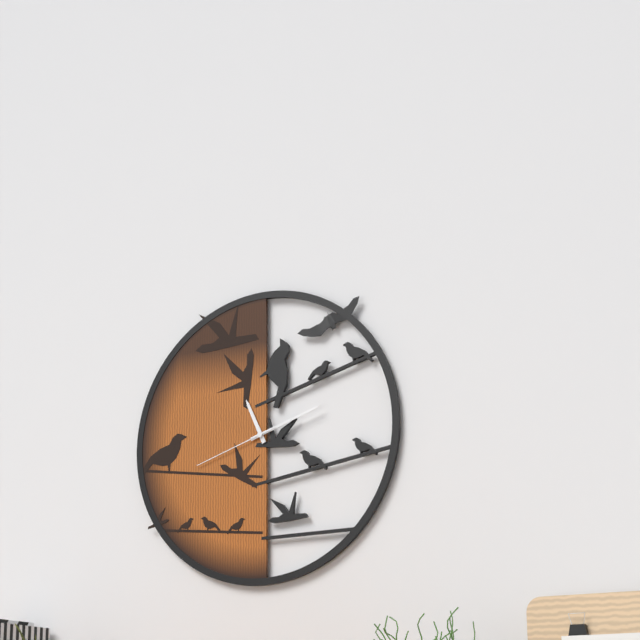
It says 11:12:42
